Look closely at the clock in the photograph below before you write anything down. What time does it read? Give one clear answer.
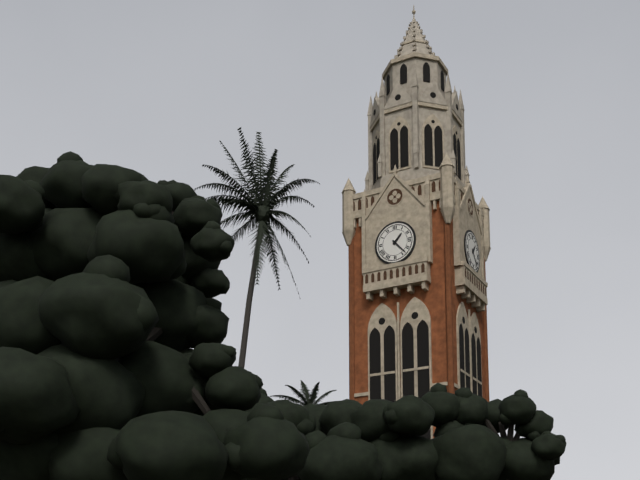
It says 1:23
